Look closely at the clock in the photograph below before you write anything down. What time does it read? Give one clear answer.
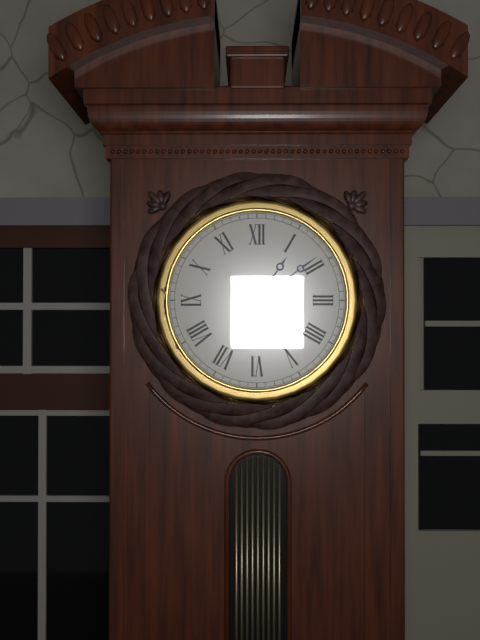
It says 1:09:09
